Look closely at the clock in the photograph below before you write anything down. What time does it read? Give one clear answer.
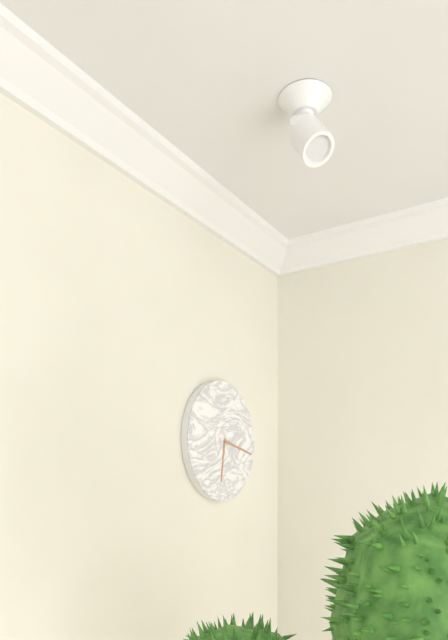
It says 6:17
